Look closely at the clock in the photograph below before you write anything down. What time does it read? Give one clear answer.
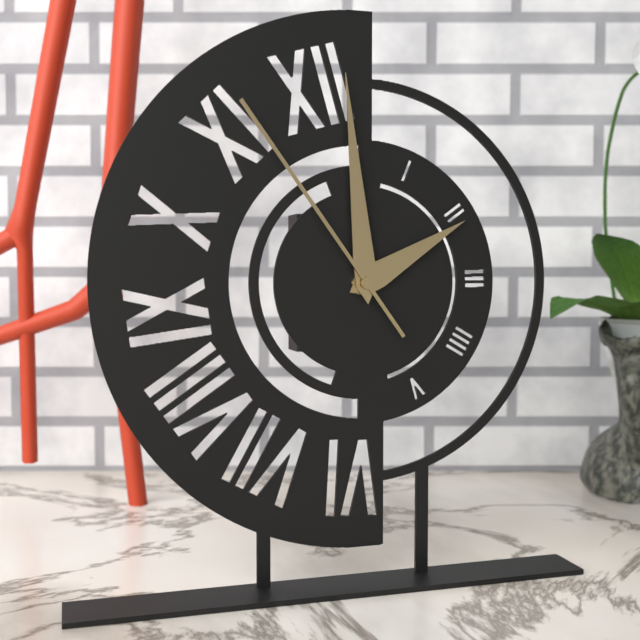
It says 1:59:54
